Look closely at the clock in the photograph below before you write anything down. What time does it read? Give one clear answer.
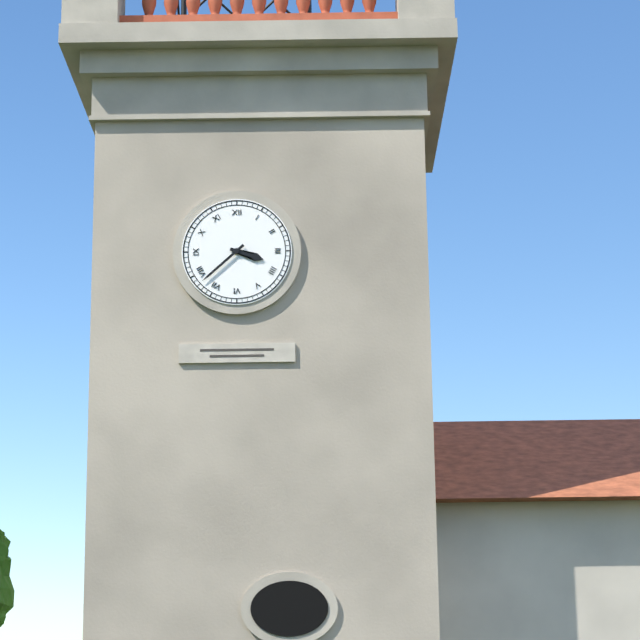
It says 3:38
